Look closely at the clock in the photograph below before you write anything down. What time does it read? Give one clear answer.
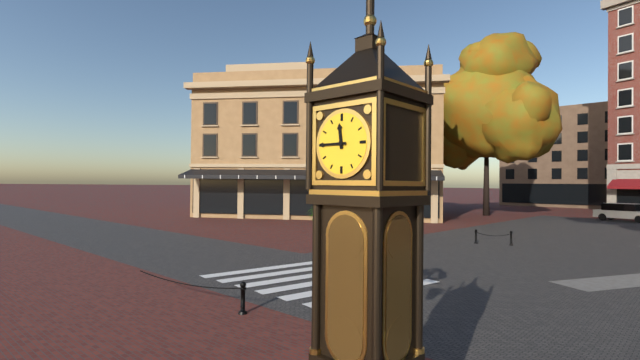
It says 11:45
